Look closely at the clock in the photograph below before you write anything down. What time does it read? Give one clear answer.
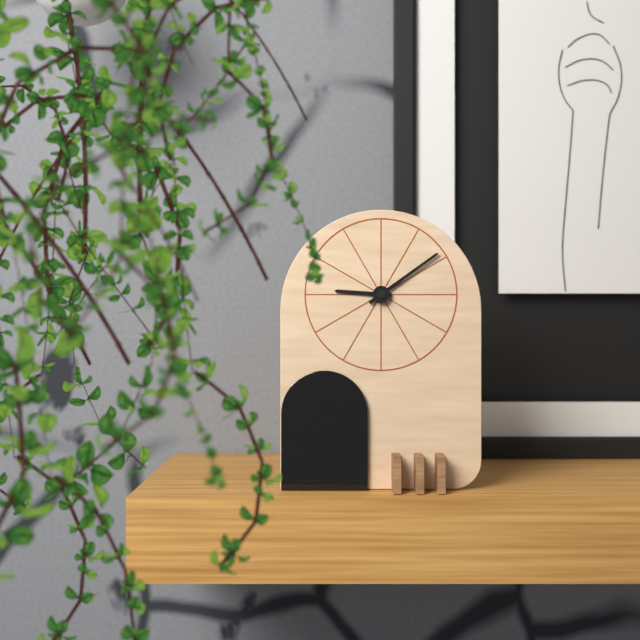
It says 9:09
